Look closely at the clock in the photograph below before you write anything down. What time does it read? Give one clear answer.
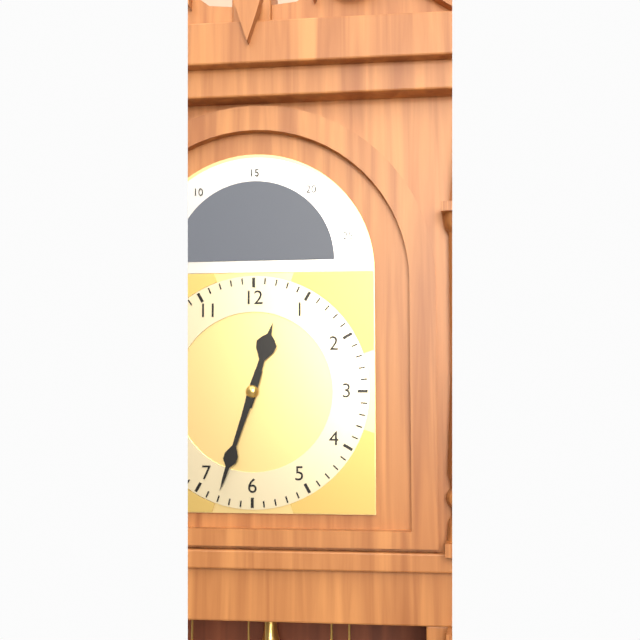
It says 12:33
